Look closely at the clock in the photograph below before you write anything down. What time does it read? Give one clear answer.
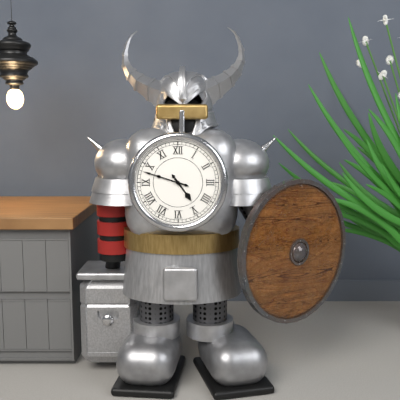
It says 4:48
